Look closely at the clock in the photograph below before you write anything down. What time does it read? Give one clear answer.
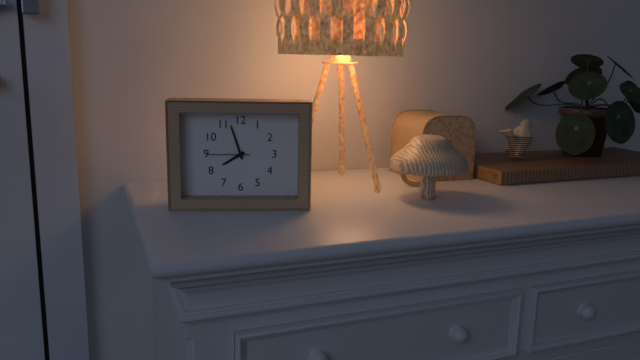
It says 7:57
